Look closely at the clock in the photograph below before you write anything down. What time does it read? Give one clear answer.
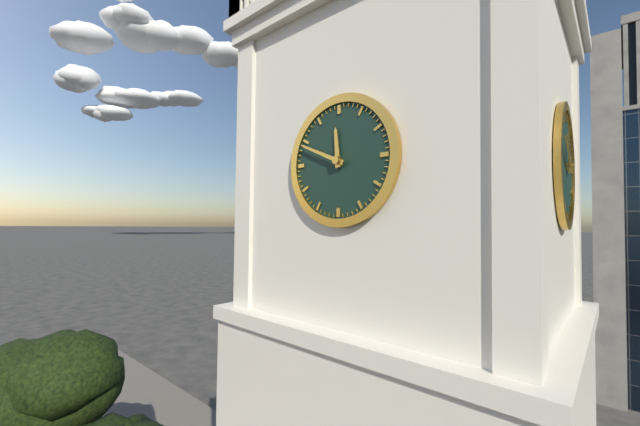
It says 11:49
